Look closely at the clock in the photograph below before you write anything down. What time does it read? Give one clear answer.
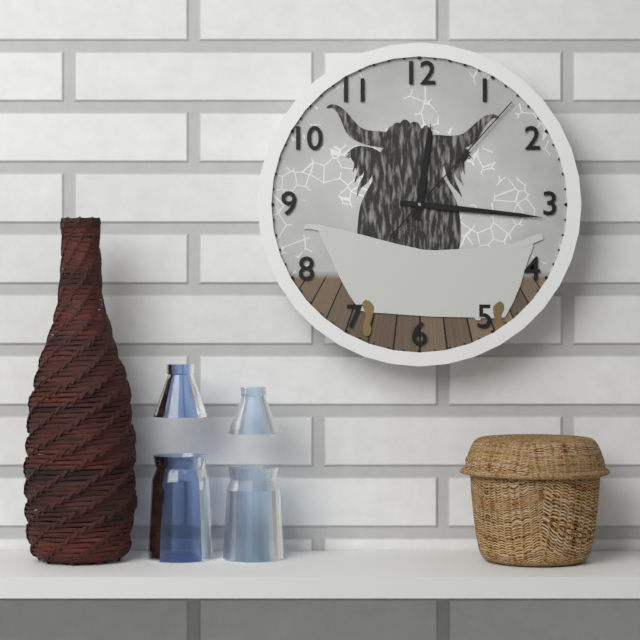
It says 12:16:07
